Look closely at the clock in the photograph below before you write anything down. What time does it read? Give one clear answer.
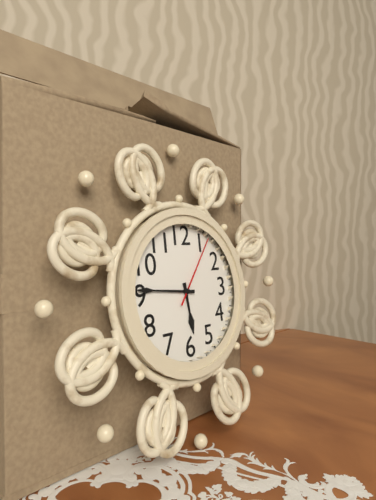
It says 5:46:06
